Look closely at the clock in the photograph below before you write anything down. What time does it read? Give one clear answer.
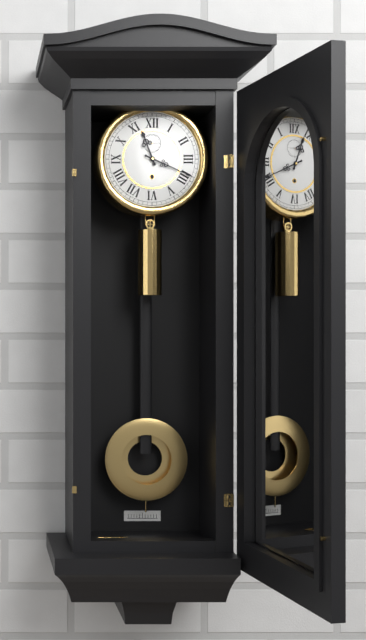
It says 11:19
